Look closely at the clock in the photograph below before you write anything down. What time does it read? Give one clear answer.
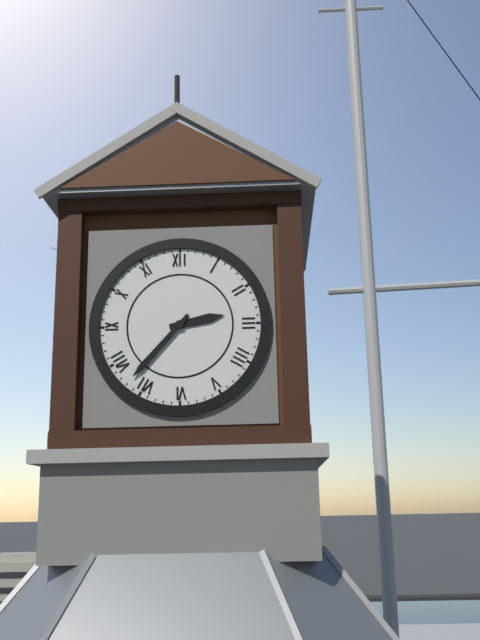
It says 2:37
